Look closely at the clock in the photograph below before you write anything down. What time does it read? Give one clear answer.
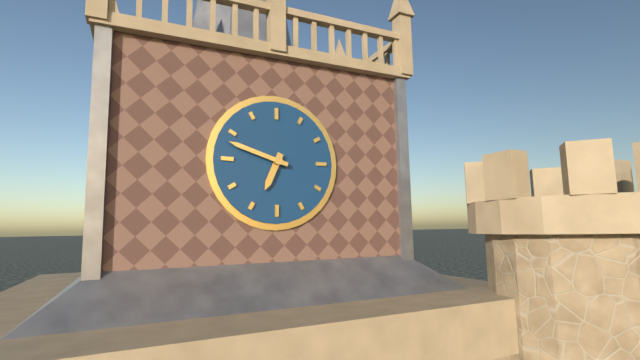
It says 6:48
